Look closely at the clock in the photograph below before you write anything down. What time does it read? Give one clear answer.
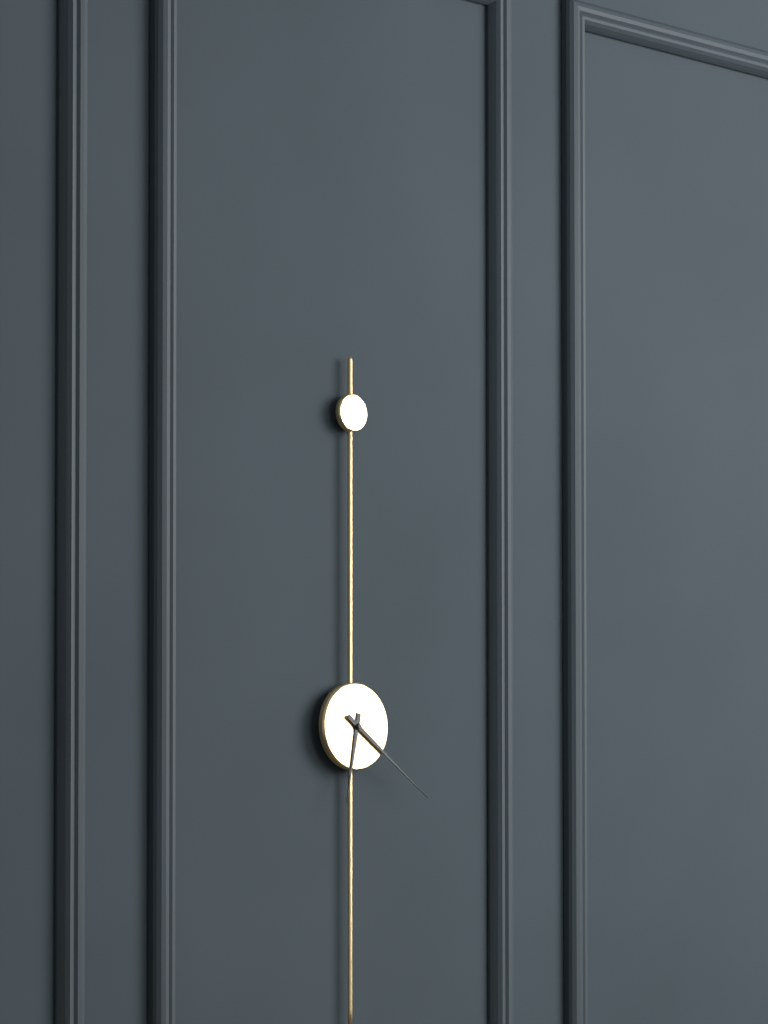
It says 6:21
